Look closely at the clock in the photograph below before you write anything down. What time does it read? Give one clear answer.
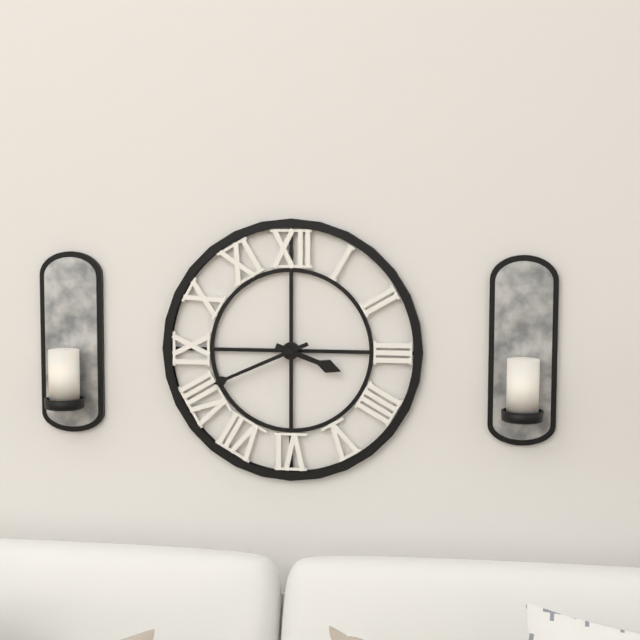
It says 3:41
